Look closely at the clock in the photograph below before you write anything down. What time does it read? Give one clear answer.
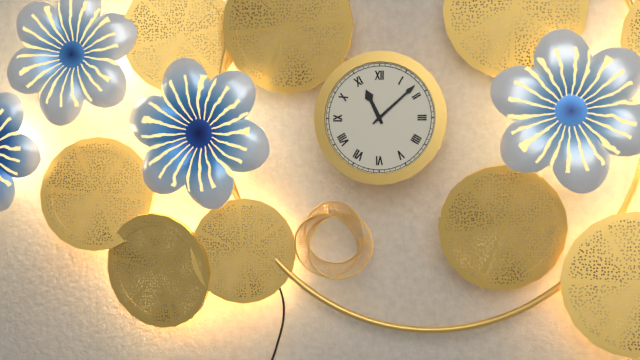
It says 11:08
